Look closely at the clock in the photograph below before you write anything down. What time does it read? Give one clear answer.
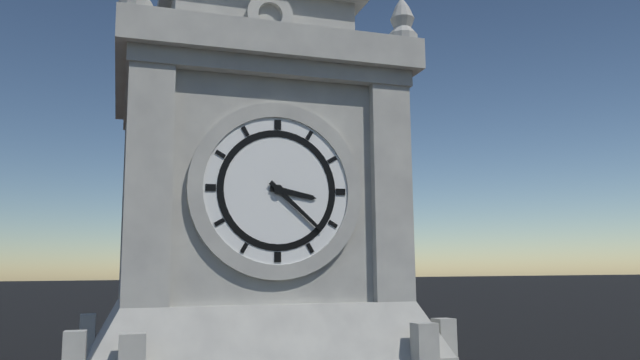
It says 3:22
